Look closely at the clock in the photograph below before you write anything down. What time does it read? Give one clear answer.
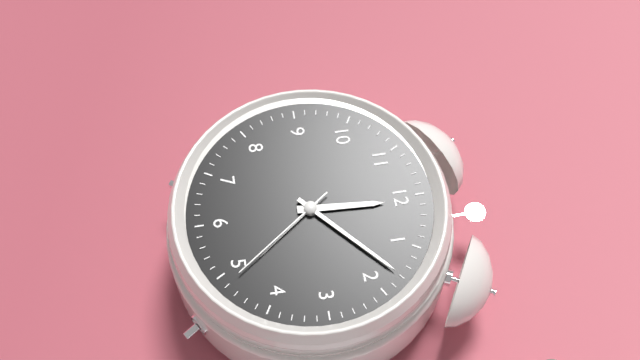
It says 12:08:24
